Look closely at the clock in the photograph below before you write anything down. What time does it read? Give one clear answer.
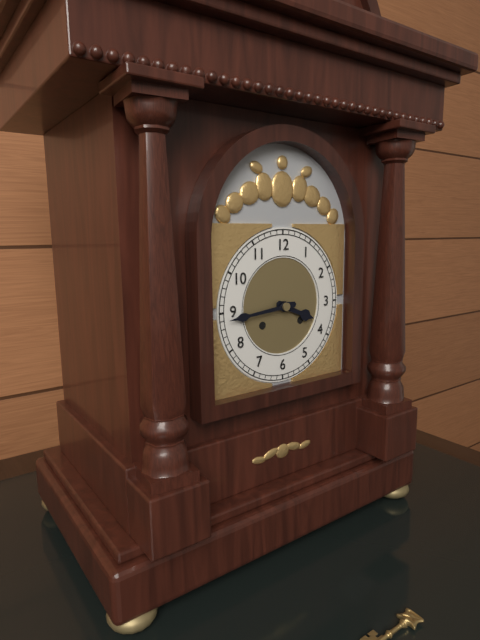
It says 3:44
